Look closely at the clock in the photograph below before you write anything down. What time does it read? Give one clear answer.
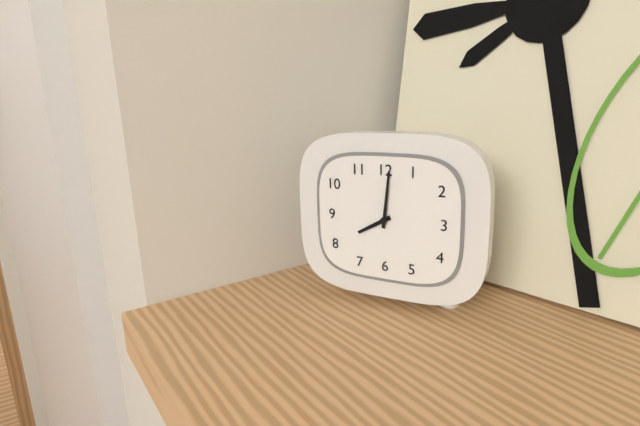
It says 8:01
